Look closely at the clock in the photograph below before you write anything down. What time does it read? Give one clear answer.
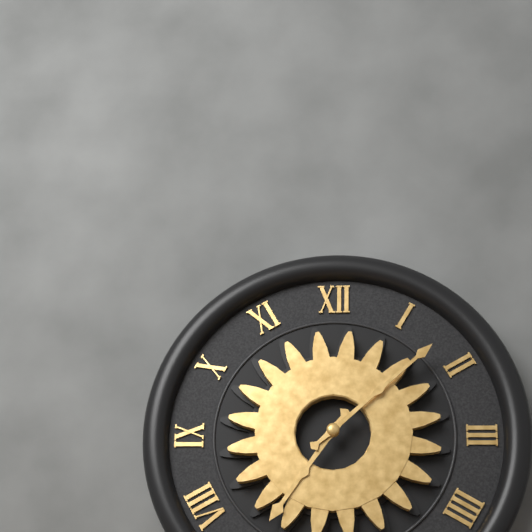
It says 7:08
